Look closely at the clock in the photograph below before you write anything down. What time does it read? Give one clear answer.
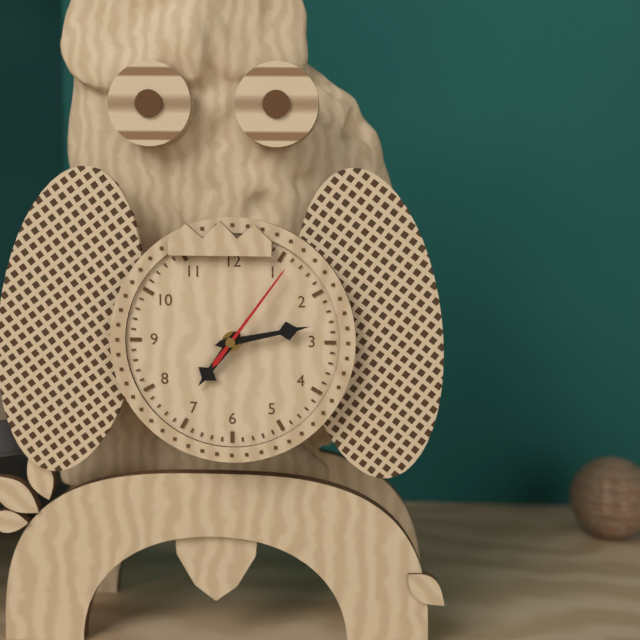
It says 7:13:06
